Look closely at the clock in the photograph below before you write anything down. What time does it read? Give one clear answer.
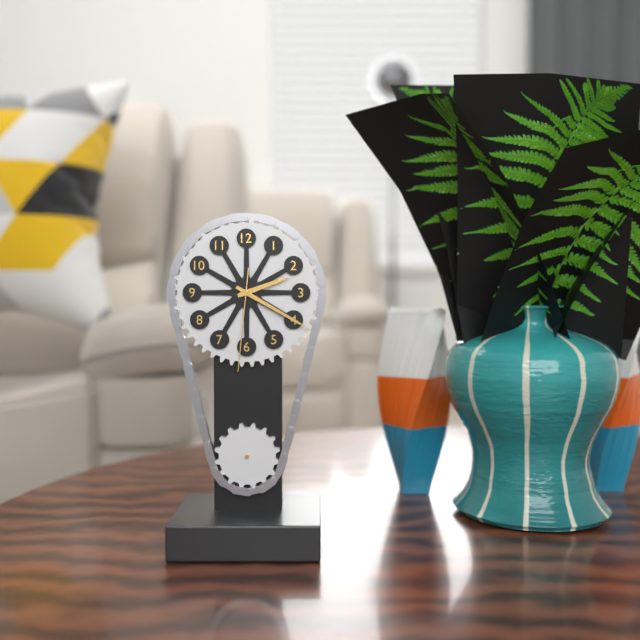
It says 2:20:31
